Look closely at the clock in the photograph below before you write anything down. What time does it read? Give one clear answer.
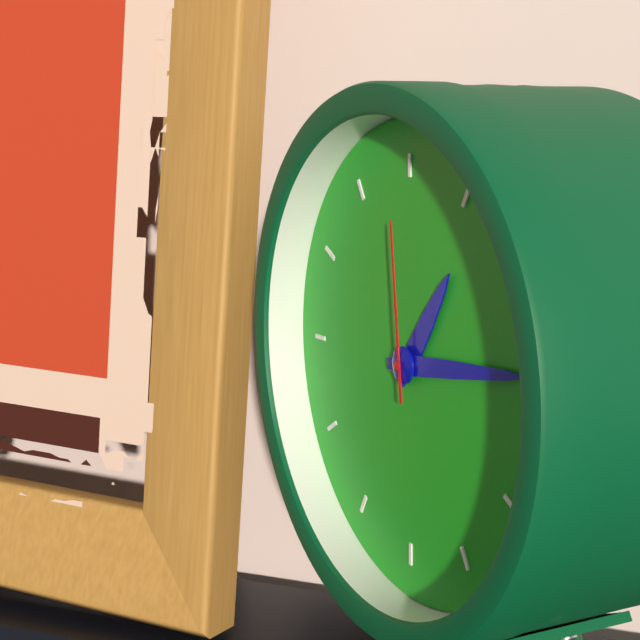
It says 1:14:59
